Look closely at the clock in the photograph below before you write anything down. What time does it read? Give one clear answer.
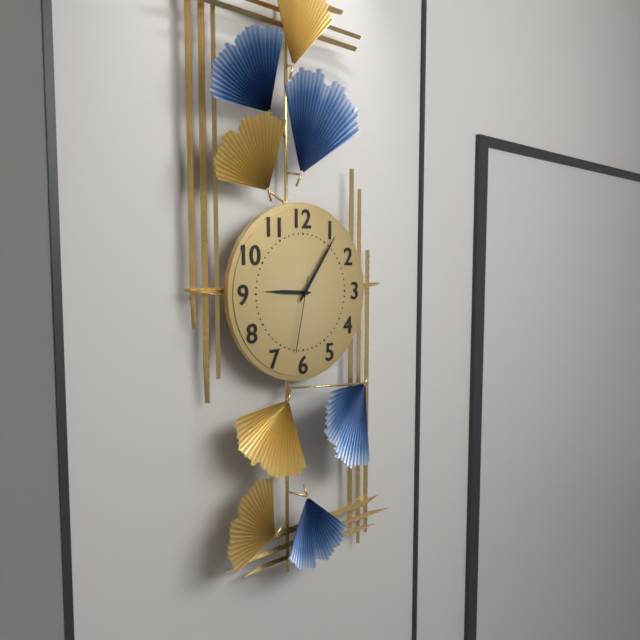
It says 9:06:32
